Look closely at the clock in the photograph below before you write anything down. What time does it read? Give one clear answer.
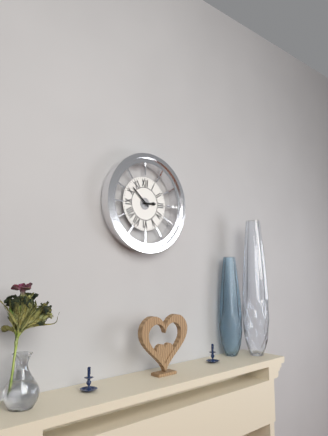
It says 2:52
